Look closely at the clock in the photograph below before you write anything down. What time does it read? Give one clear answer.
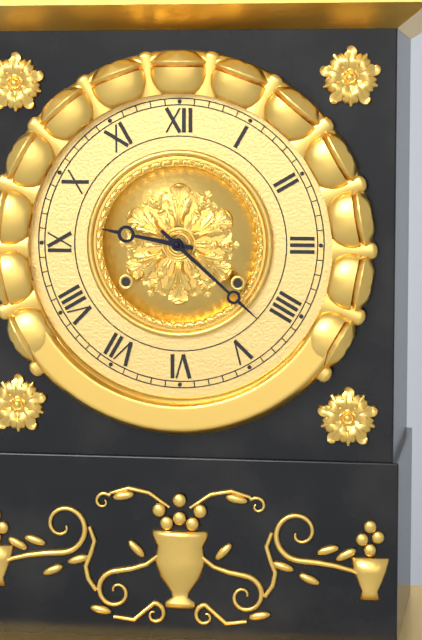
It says 9:22
